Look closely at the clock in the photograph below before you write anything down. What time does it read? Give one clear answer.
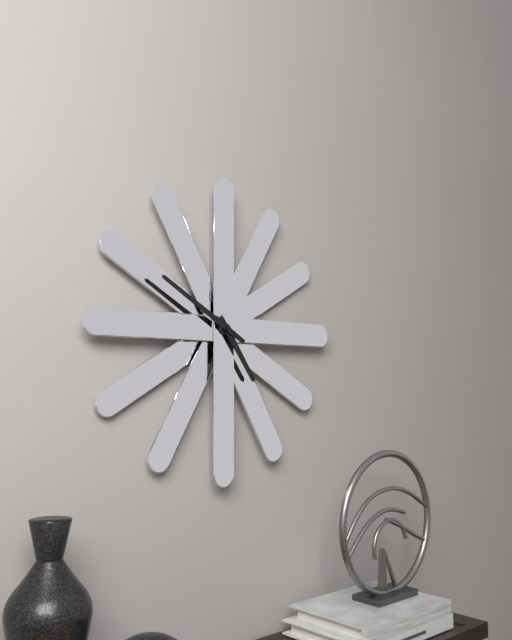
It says 4:50
